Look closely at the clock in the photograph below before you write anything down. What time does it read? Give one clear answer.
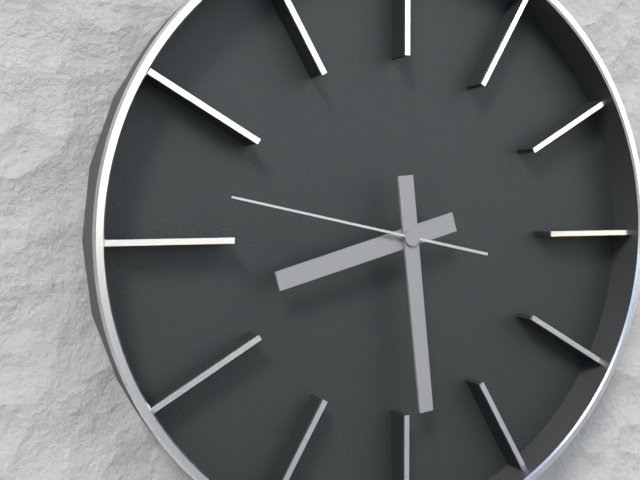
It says 8:29:47
